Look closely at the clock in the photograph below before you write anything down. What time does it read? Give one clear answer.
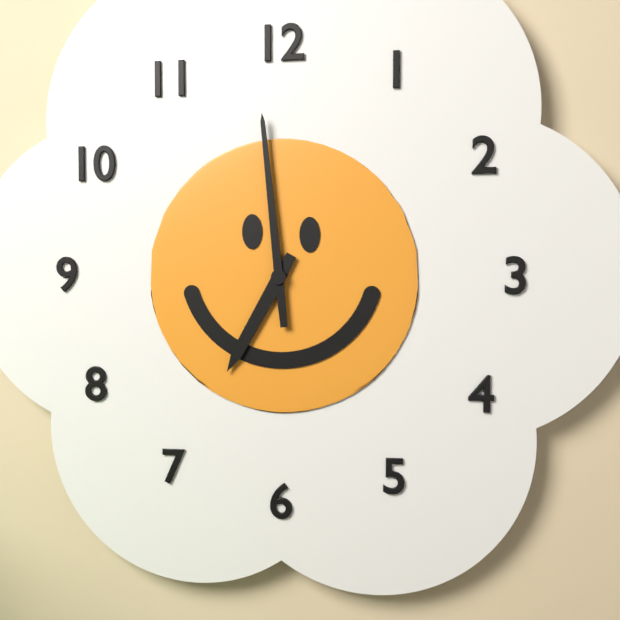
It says 6:59
